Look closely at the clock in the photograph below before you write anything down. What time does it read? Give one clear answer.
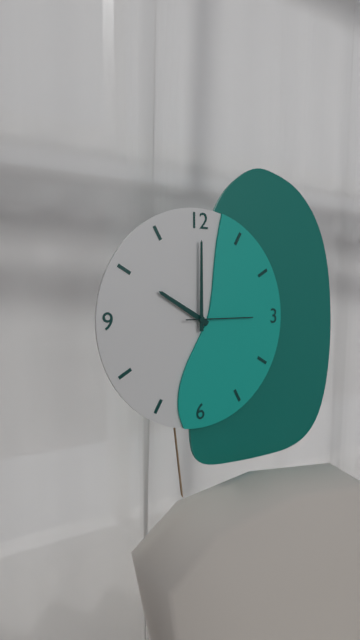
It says 10:00:15
